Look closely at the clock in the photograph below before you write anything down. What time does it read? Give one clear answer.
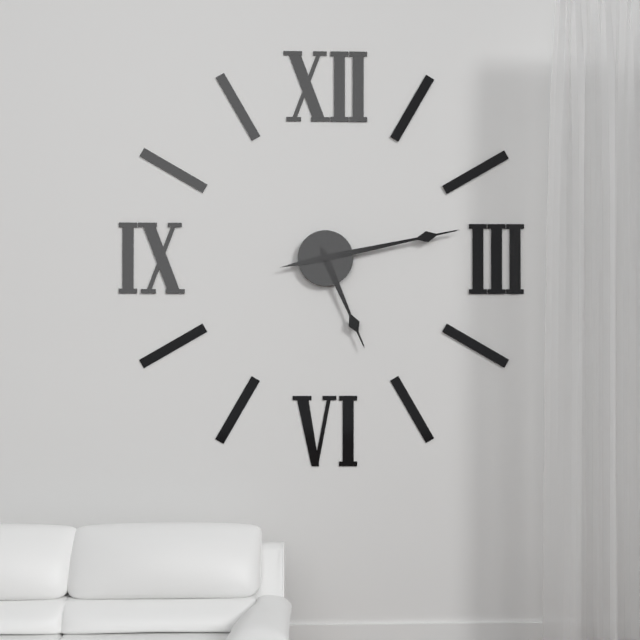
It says 5:13
